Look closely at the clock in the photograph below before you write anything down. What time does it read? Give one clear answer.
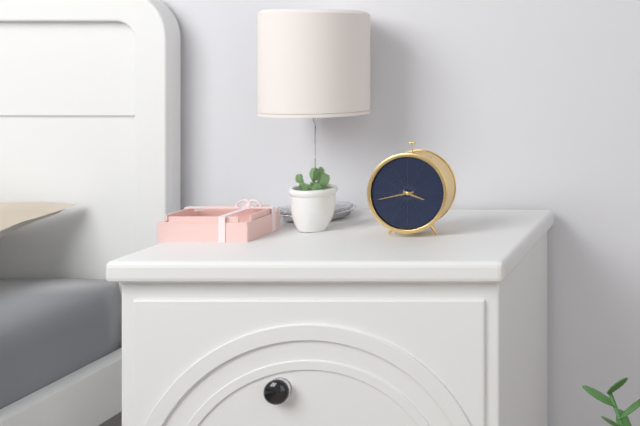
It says 3:43
